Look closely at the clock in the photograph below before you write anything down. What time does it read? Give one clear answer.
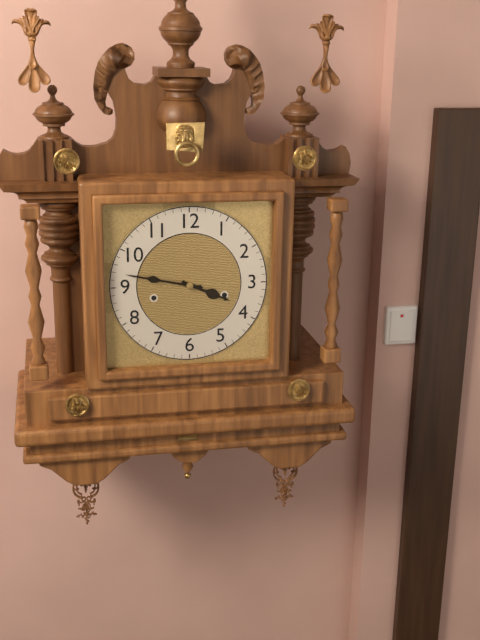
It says 3:47
